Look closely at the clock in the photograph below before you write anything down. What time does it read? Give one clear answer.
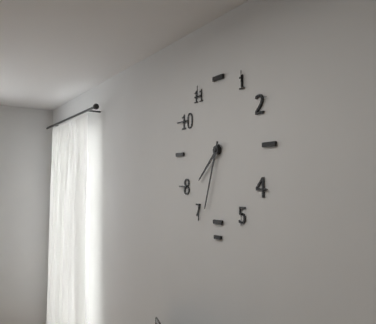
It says 7:33
